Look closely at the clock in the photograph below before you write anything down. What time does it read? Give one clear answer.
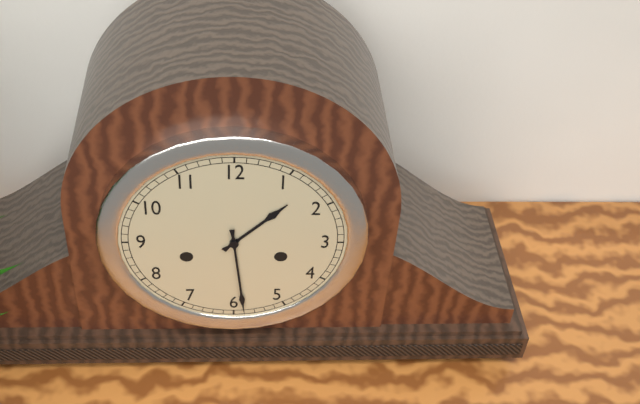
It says 1:29
